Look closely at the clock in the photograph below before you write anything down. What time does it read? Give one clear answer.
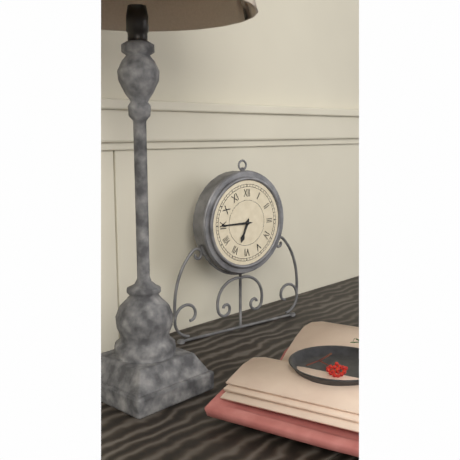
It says 6:45
